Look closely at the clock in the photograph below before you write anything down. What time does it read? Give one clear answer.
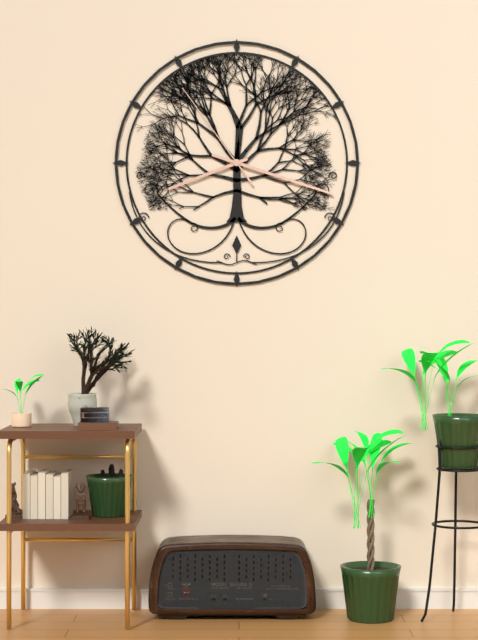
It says 8:18:54
